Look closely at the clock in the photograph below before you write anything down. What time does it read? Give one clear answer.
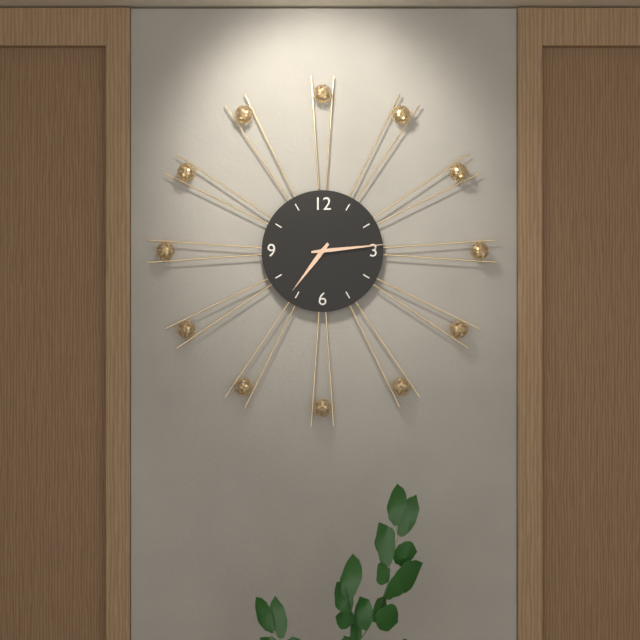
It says 7:14
